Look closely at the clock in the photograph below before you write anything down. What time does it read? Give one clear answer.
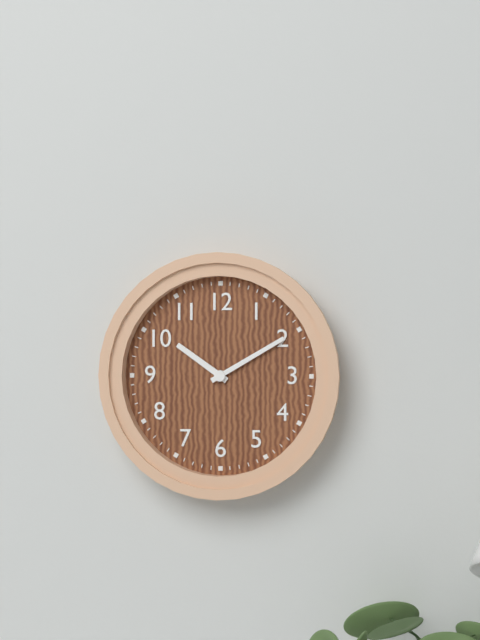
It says 10:10
